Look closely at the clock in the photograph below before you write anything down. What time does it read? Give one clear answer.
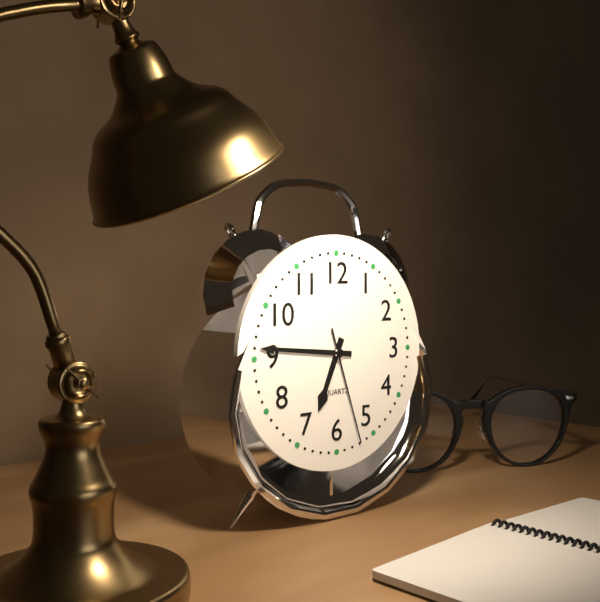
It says 6:46:27
